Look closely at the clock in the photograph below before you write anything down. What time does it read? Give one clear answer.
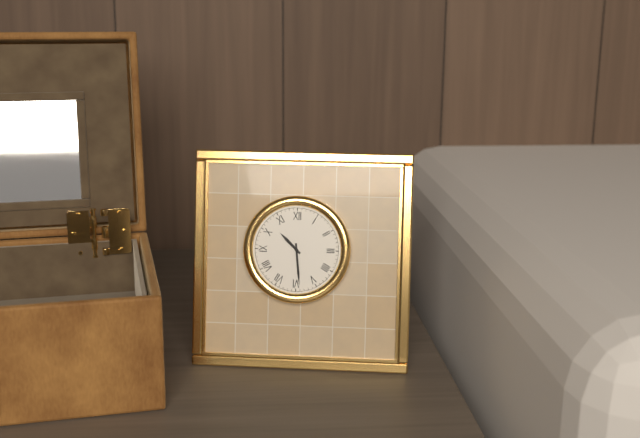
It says 10:29
